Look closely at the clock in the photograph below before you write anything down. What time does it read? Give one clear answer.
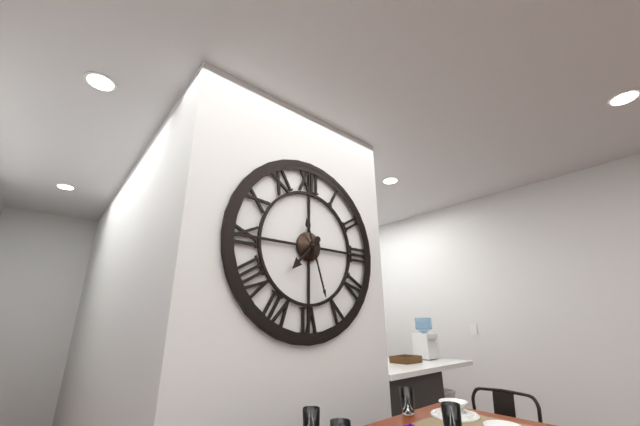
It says 7:27
